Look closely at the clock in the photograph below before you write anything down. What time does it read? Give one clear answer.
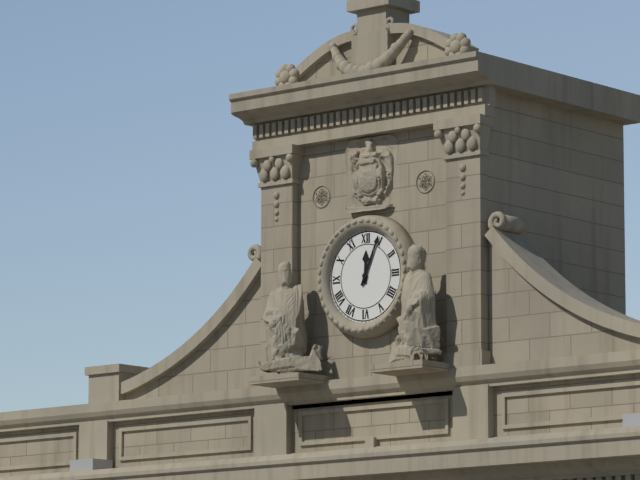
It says 12:04
